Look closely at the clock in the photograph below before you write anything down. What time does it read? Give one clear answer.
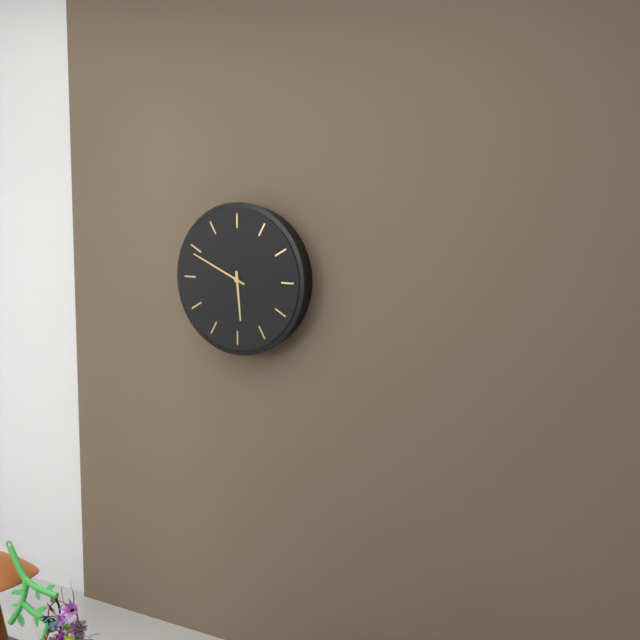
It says 5:49
